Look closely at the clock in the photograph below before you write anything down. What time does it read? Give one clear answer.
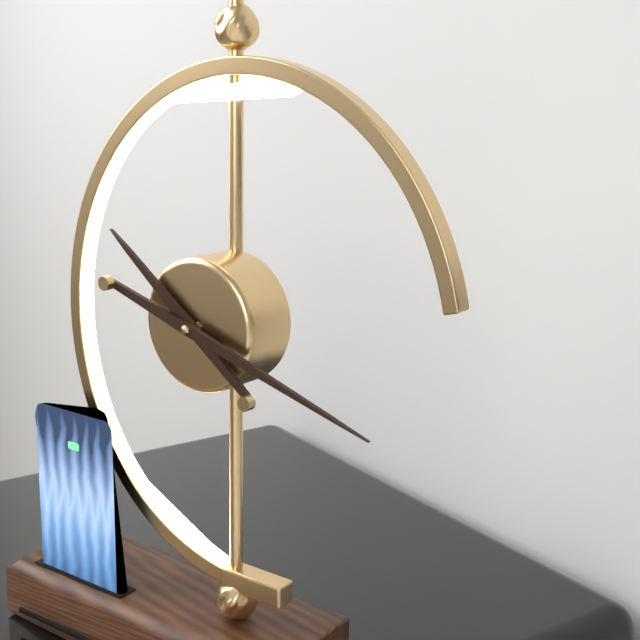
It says 10:18
